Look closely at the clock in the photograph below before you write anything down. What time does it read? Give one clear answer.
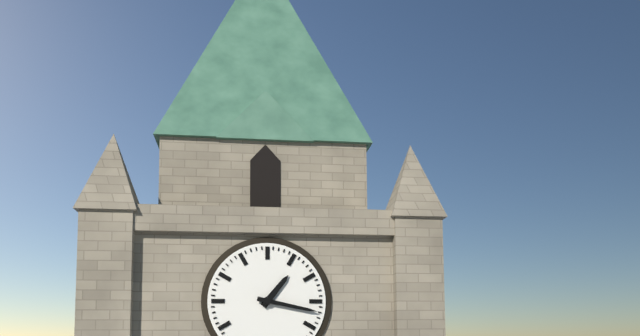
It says 1:17
